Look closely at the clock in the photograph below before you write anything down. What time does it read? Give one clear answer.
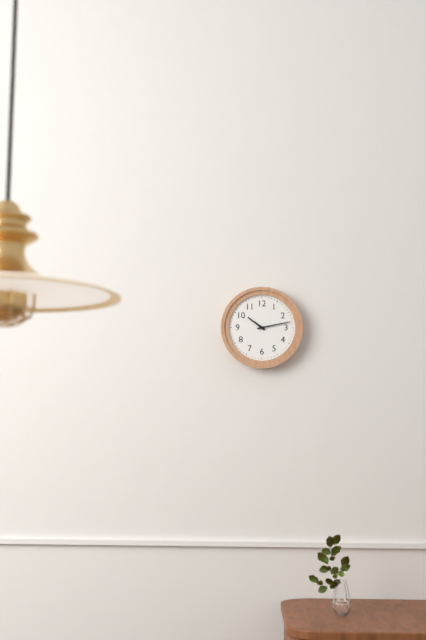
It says 10:13
